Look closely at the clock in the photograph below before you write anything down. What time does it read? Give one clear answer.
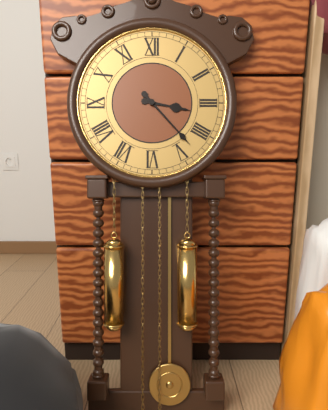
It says 3:23
